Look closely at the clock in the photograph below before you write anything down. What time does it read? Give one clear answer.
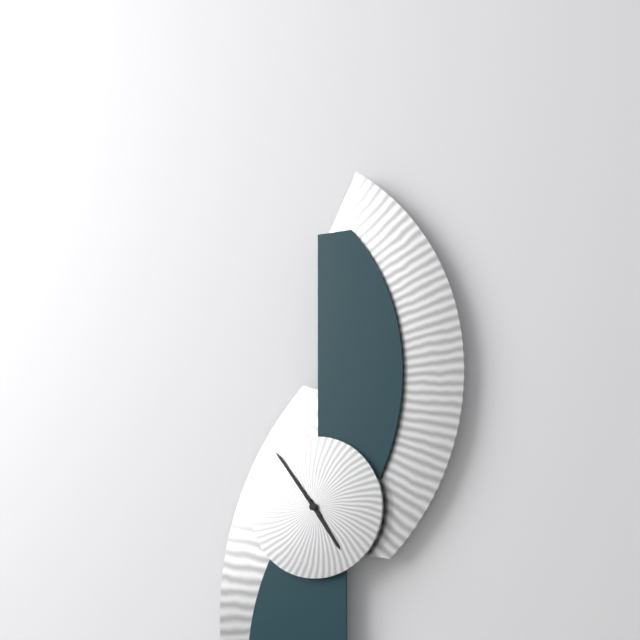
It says 4:54
